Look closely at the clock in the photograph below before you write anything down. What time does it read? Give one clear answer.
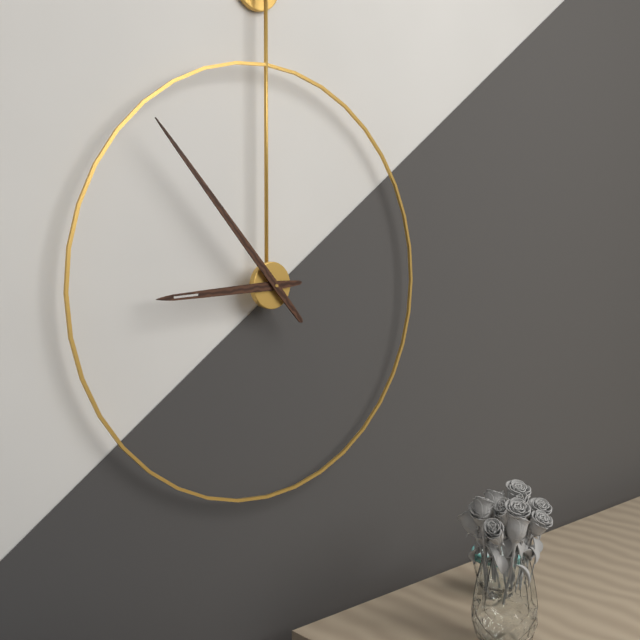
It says 8:53
